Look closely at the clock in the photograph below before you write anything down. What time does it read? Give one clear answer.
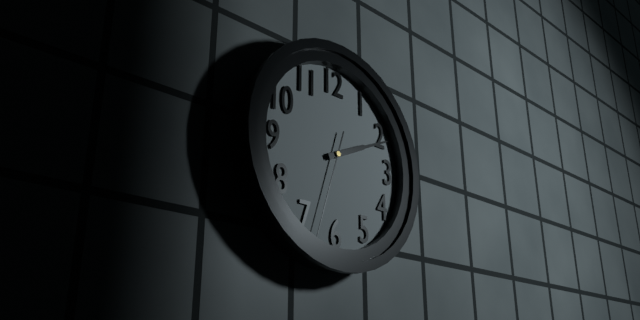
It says 2:11:33
